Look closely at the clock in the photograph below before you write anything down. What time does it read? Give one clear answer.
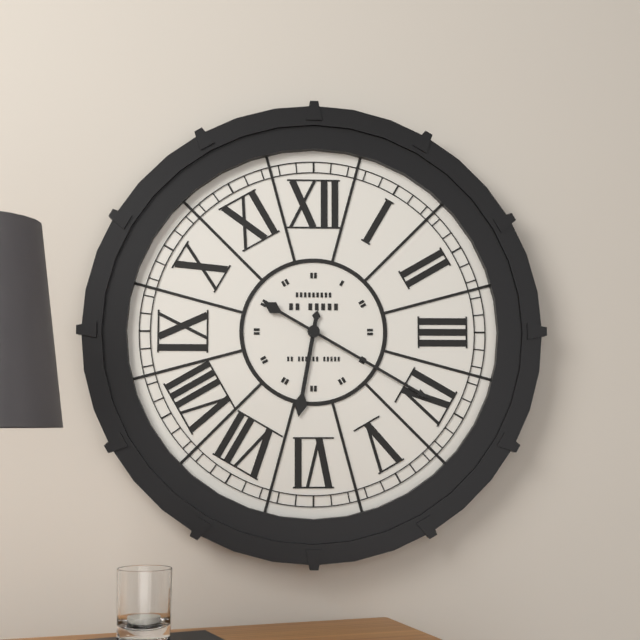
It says 6:20
